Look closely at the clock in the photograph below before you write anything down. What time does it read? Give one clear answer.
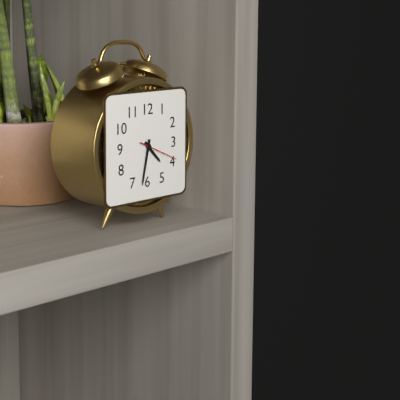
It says 4:32
